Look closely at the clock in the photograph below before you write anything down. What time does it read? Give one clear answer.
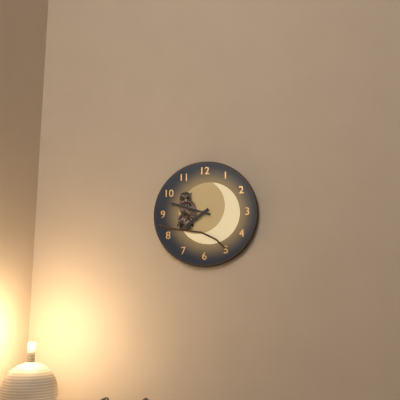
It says 7:48
